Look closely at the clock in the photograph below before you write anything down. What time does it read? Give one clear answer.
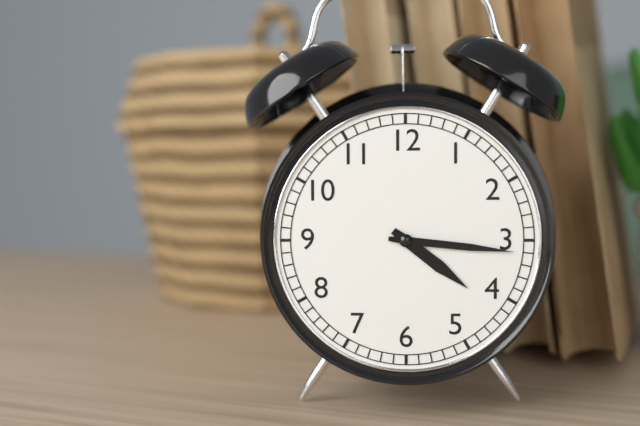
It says 4:16
